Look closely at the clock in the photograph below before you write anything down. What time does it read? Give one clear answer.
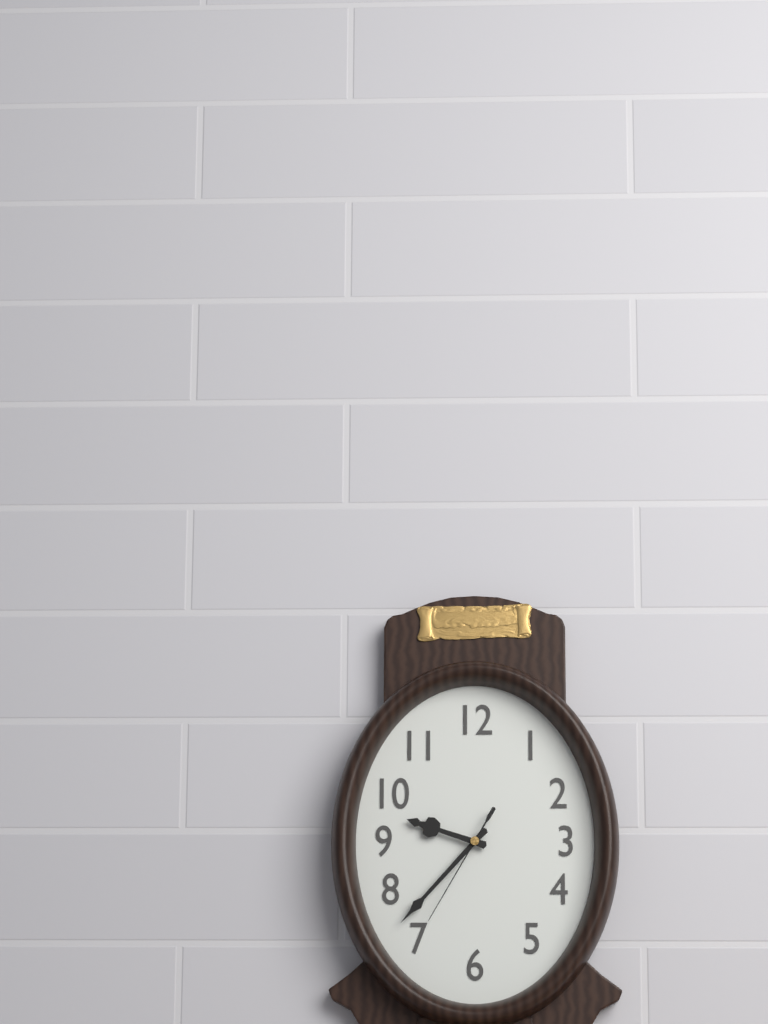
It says 9:37:35
